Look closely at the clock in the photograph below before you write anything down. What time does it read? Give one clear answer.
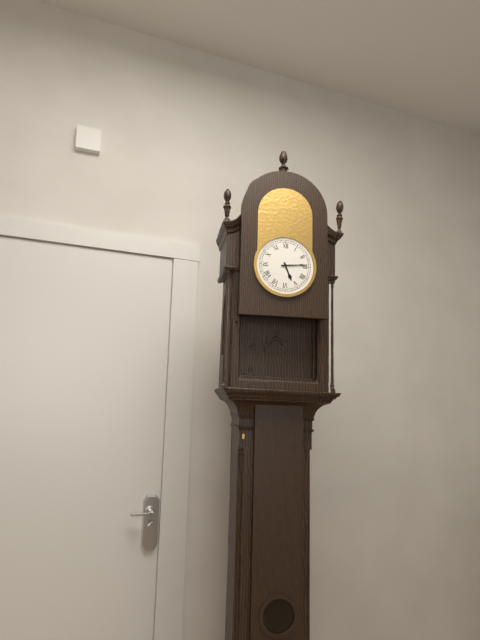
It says 5:14
